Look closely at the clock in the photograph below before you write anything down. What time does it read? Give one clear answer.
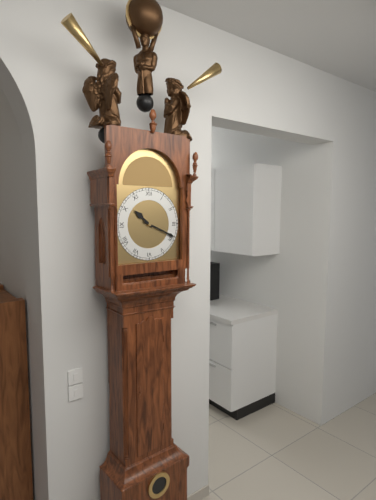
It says 10:19
